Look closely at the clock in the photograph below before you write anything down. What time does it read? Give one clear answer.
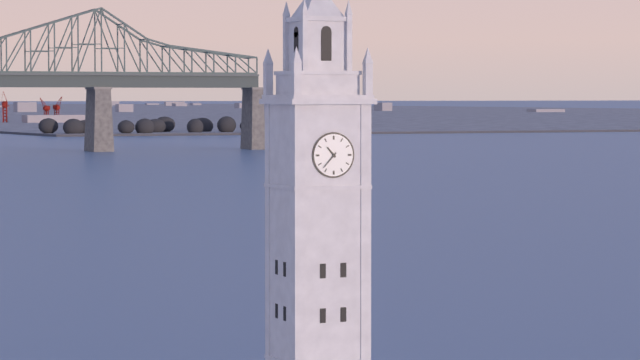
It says 10:37
